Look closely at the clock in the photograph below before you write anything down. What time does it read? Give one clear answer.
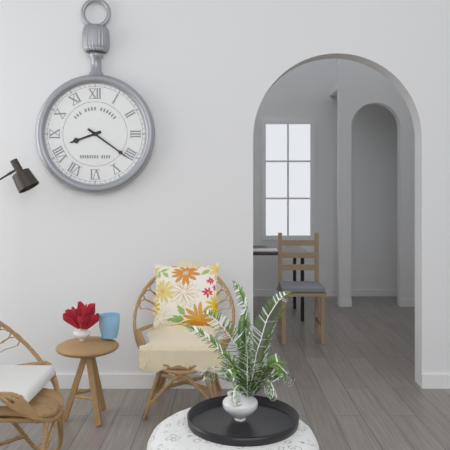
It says 8:21
